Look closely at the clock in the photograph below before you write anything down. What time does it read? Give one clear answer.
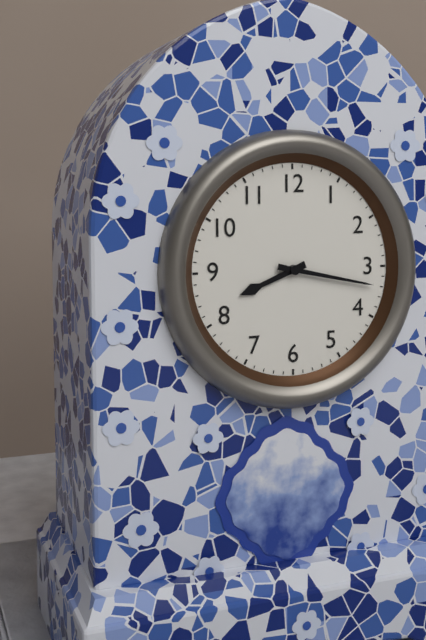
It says 8:17
